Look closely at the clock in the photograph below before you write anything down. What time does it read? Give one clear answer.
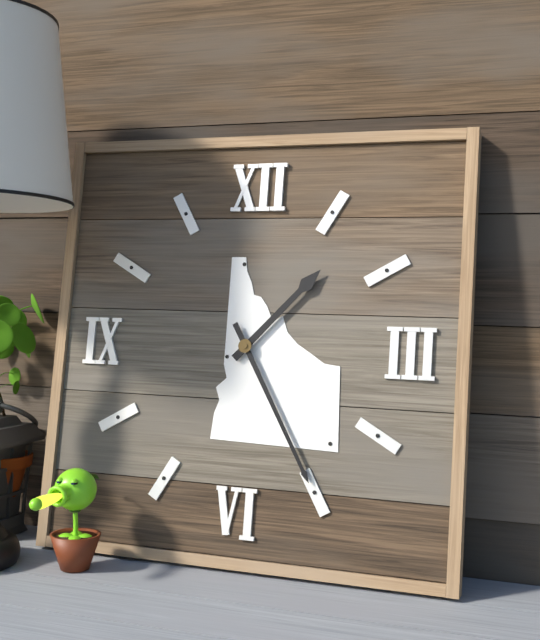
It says 1:25
